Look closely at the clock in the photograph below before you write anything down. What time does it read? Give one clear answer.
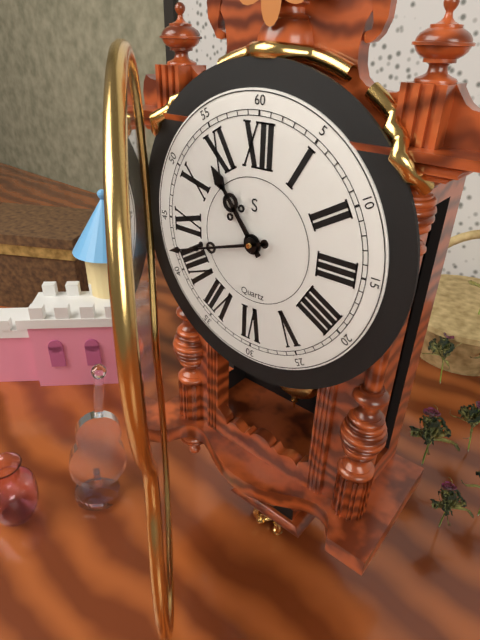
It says 10:42
